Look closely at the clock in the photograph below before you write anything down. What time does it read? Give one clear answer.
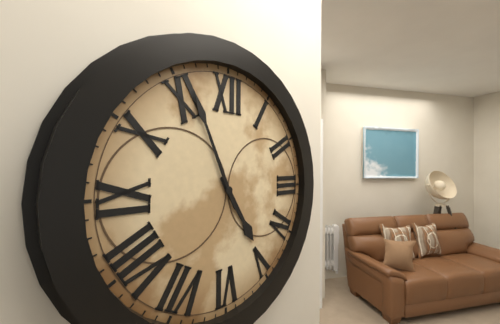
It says 4:56
